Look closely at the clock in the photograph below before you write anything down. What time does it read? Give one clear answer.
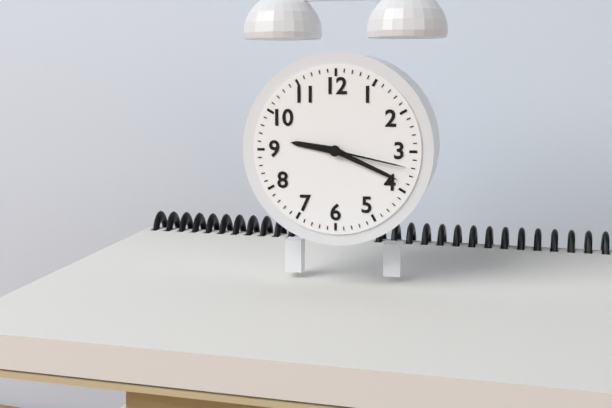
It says 9:19:17
